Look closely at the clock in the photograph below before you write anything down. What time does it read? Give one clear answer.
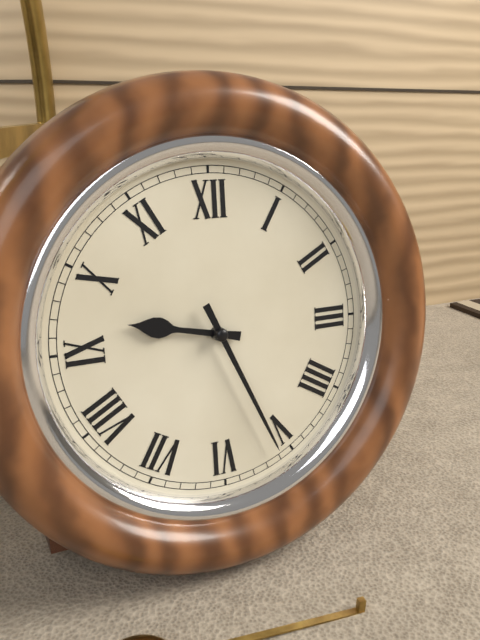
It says 9:26
